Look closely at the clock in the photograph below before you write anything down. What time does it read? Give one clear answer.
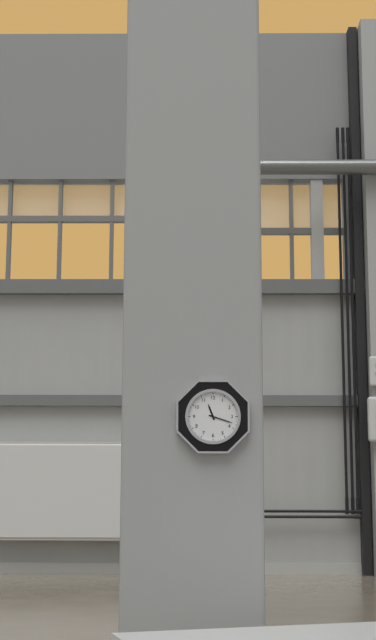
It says 11:18
